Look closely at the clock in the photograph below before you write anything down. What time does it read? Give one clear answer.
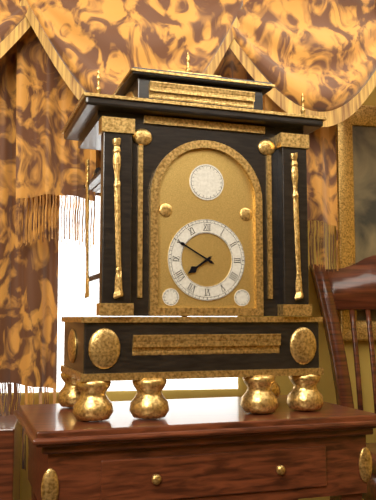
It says 7:50
